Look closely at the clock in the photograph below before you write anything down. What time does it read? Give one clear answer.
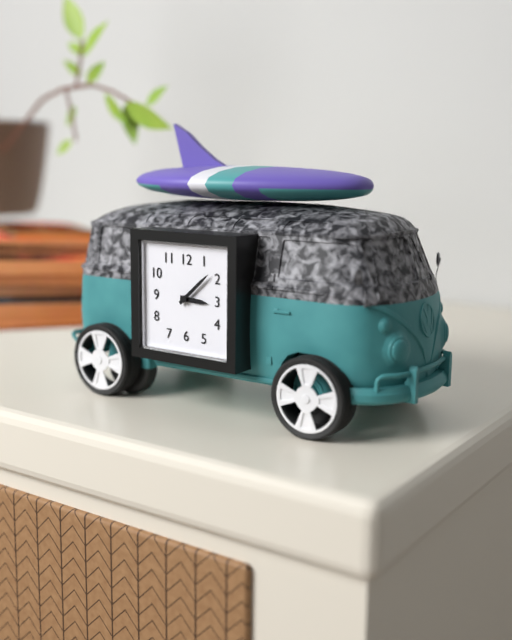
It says 3:08
